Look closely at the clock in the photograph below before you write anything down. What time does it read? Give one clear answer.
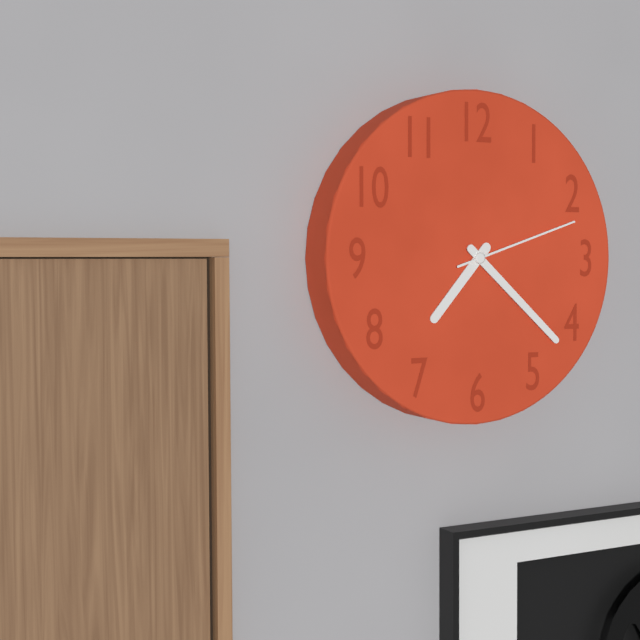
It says 7:22:12
